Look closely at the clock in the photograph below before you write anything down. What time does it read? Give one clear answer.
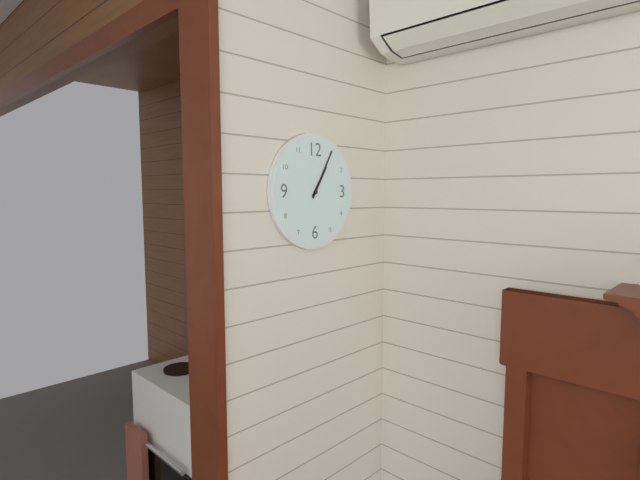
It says 1:05
